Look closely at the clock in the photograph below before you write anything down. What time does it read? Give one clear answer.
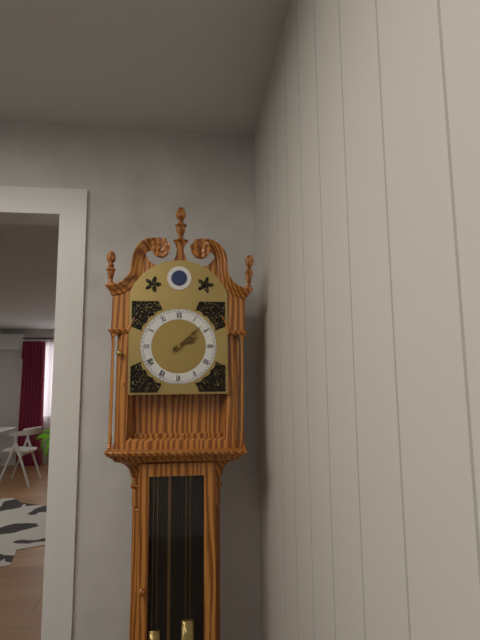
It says 2:08
